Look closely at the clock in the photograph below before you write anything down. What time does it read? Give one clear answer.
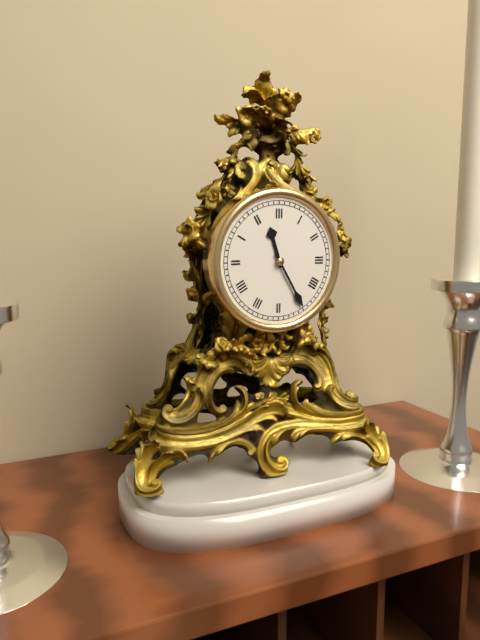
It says 11:25
